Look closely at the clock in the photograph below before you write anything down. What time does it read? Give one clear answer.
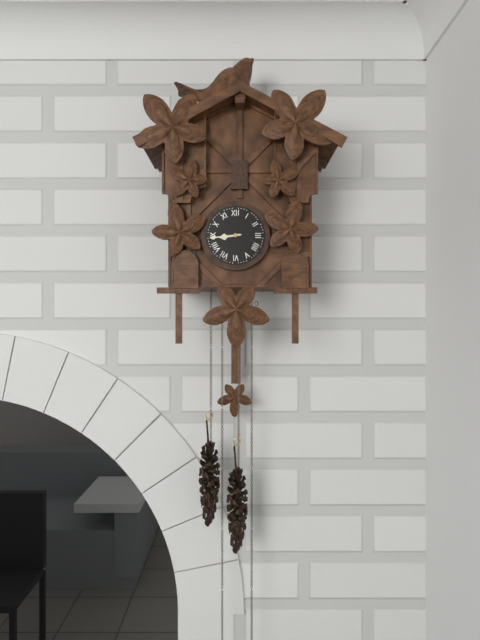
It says 8:44
